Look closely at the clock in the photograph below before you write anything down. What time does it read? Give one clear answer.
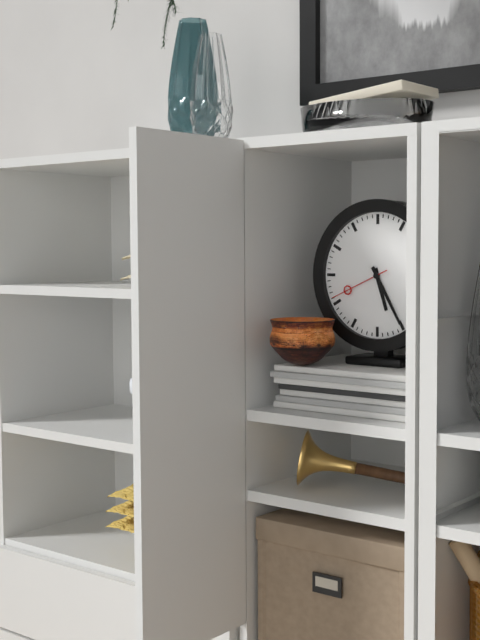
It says 5:25:41
